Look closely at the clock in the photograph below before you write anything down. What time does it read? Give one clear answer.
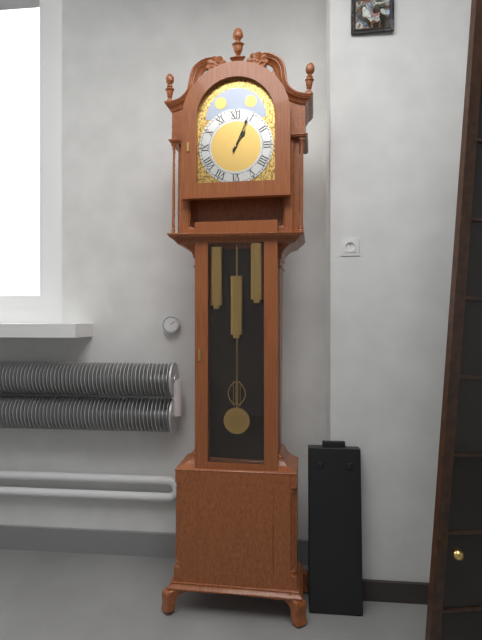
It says 1:04
